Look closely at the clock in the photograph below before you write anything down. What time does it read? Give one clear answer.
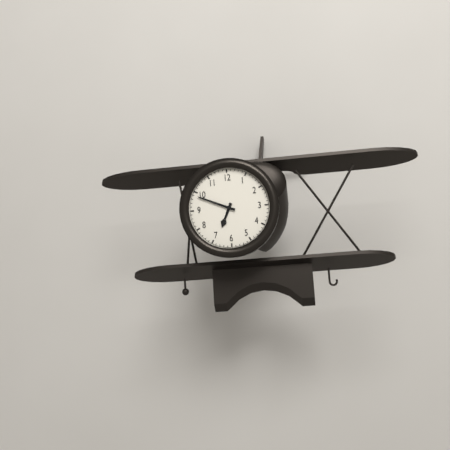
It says 6:49
